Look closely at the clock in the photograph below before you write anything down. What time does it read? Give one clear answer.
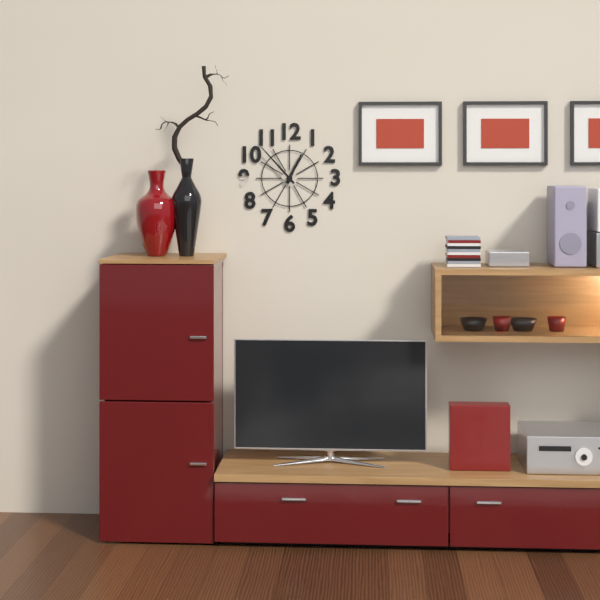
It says 12:53
